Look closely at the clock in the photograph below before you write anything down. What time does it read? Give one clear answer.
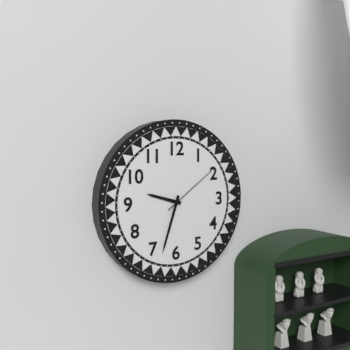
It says 9:33:09
